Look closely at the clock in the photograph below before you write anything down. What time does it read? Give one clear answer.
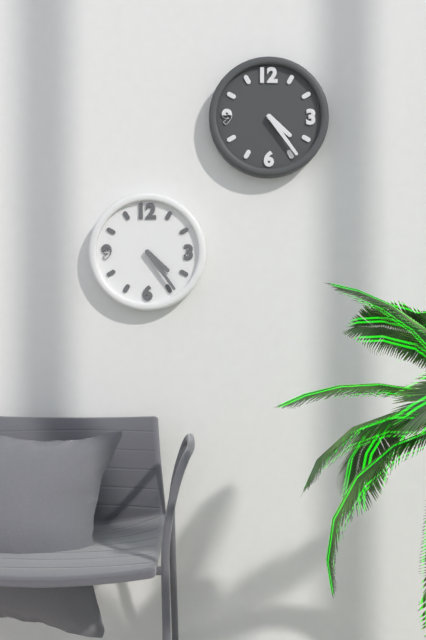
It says 4:24
